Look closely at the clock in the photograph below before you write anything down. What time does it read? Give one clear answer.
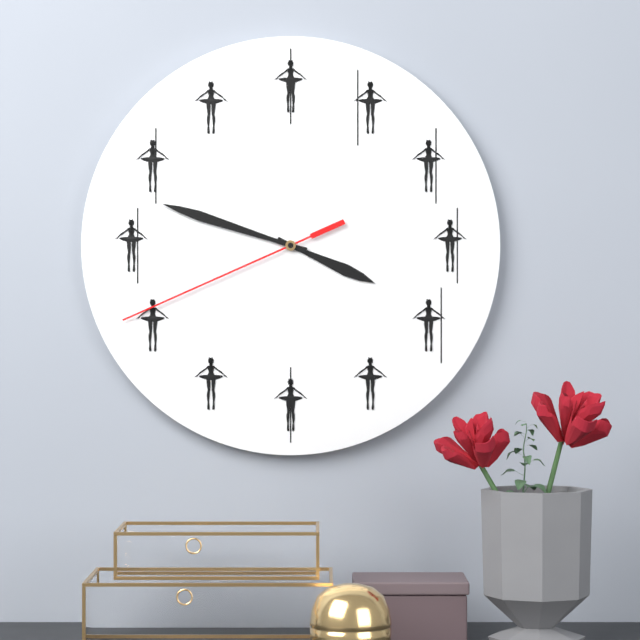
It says 3:48:41
